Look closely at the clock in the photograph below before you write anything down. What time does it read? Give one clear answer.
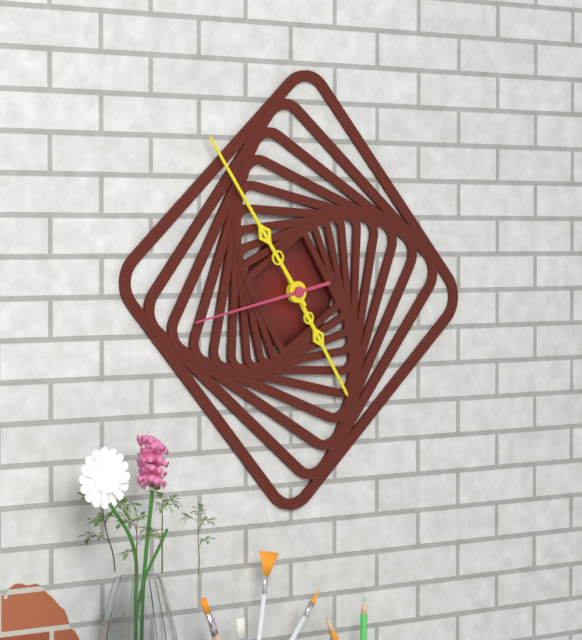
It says 4:54:43
